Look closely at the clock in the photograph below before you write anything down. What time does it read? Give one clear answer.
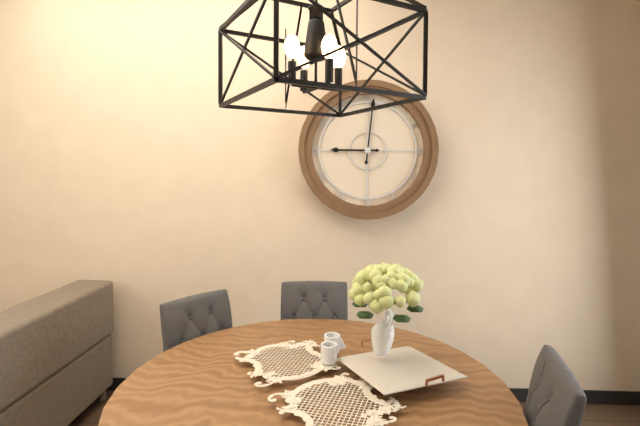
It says 9:01
